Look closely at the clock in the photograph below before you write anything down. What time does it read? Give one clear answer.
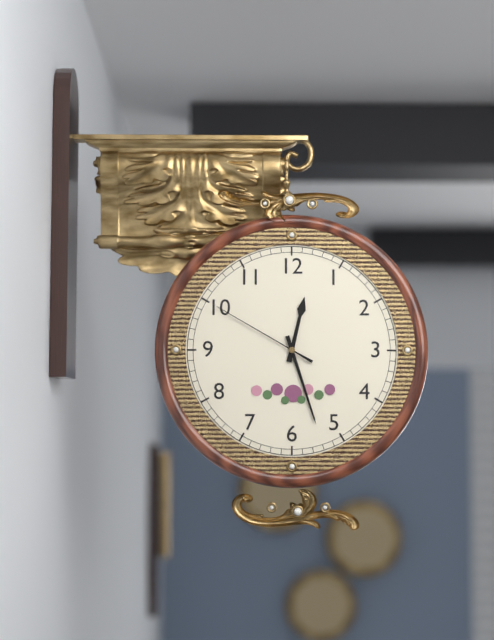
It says 12:27:50
